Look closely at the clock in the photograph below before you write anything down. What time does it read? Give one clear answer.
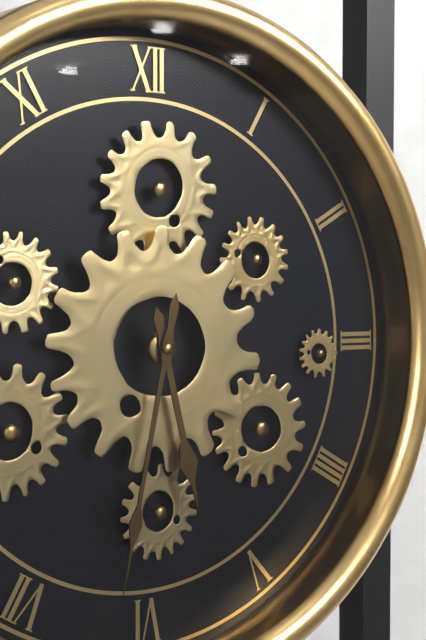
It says 5:32
